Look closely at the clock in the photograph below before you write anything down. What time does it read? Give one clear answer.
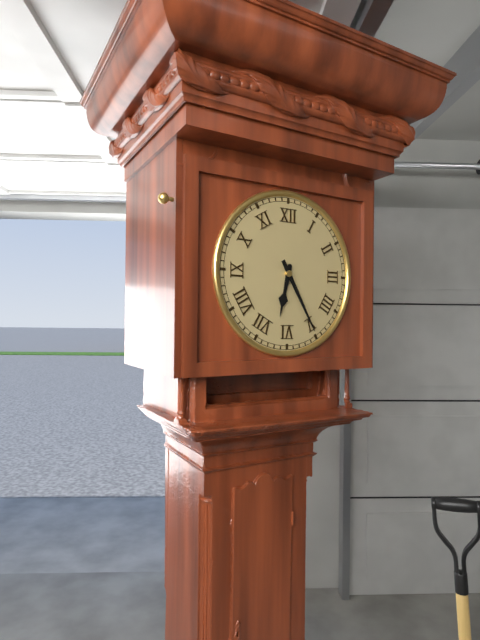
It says 6:25
